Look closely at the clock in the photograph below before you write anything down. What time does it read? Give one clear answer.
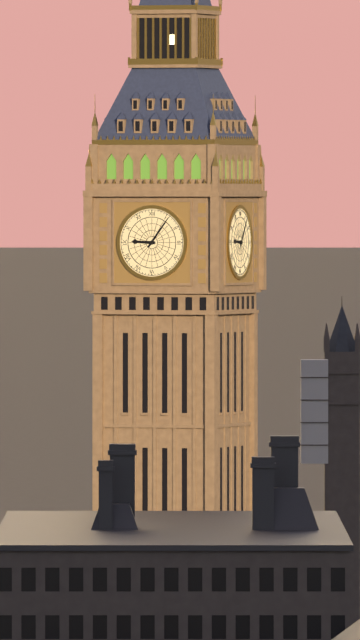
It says 9:06
